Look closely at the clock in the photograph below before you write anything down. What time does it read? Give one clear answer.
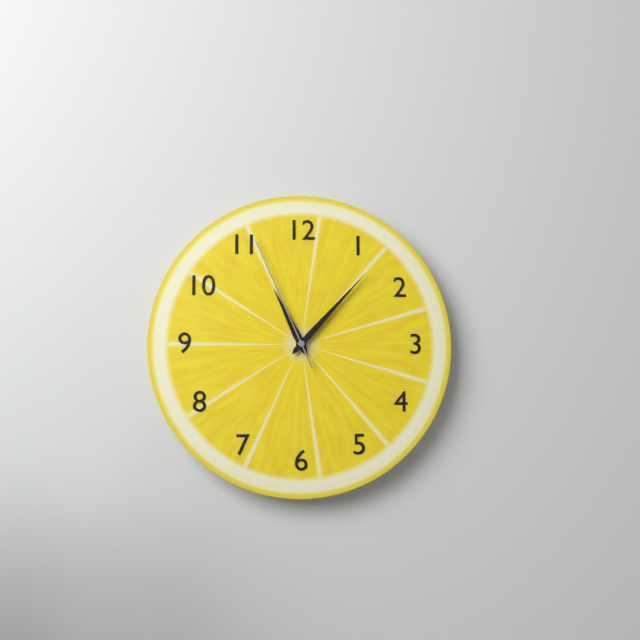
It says 11:07:56
